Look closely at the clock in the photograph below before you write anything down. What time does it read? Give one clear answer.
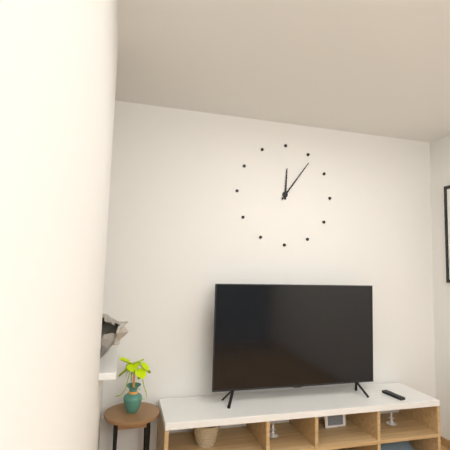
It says 12:06
